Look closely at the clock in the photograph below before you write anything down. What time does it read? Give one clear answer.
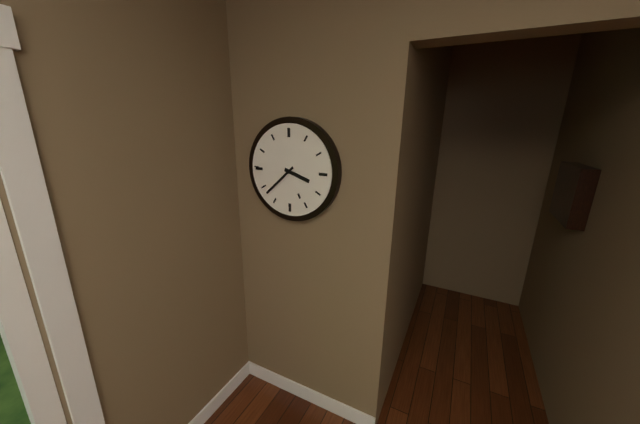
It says 3:38
